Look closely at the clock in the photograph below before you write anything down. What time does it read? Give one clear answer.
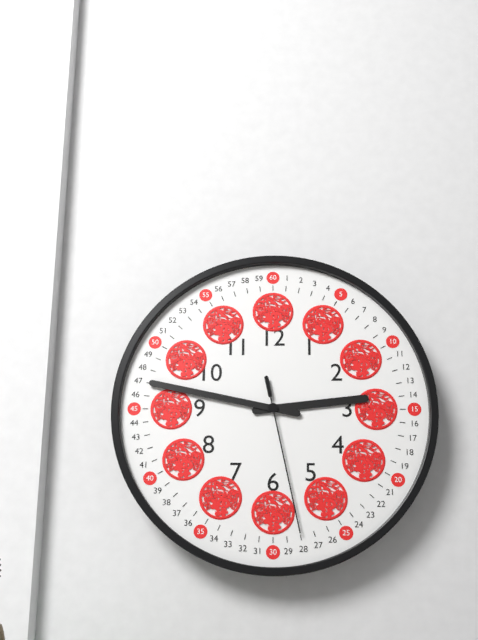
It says 2:47:28
